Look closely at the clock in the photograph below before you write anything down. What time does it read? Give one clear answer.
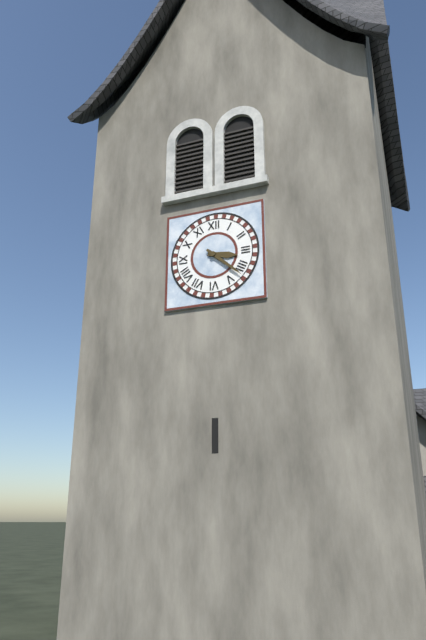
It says 3:22
